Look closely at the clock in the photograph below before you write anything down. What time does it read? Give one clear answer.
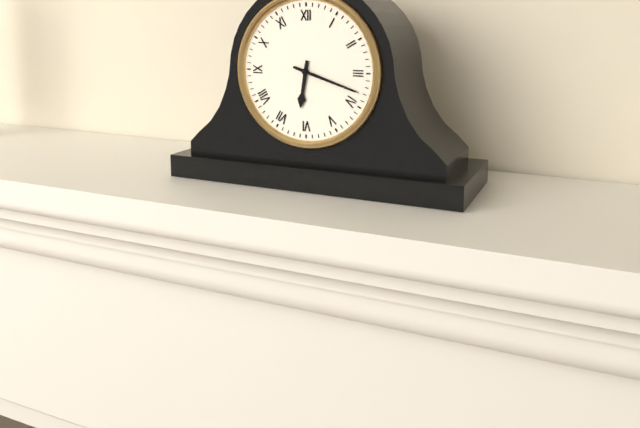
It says 6:18
